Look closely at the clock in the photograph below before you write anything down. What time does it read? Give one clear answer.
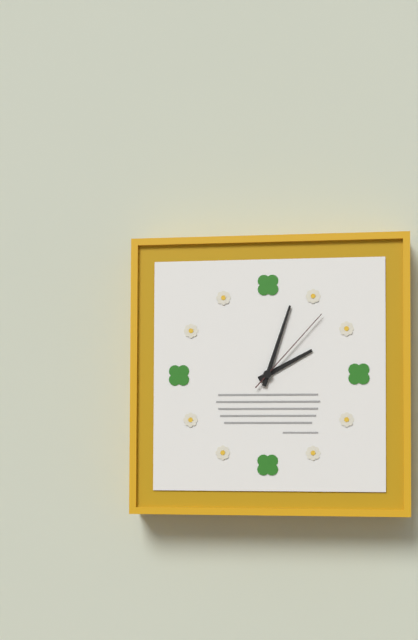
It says 2:03:07
